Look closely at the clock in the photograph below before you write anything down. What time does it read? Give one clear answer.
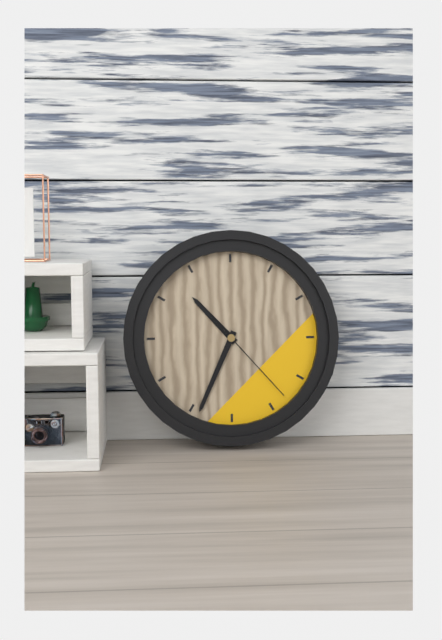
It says 10:34:23
